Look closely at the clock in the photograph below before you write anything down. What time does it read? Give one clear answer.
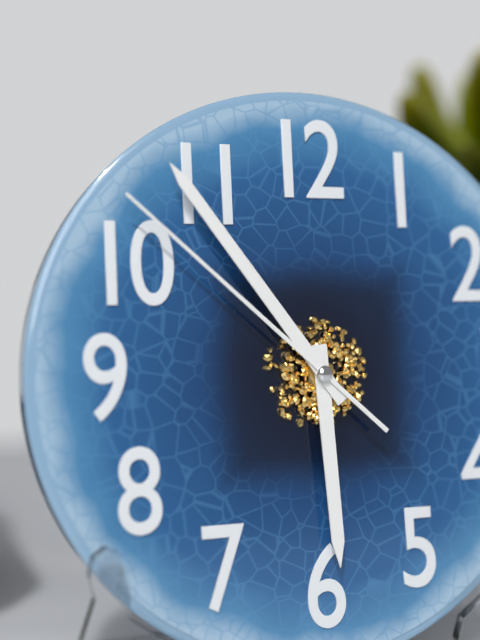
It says 5:54:52
